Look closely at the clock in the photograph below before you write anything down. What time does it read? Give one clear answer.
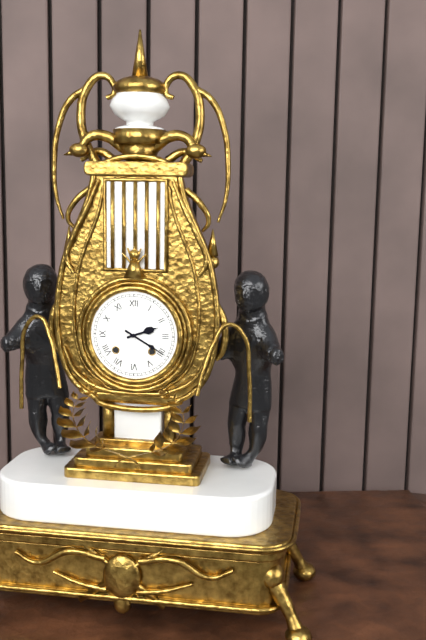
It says 2:20
